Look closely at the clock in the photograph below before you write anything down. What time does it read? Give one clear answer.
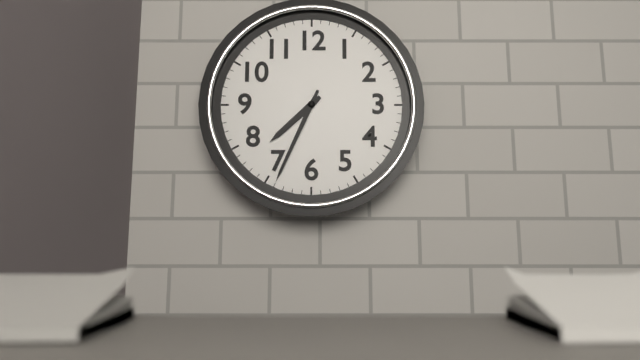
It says 7:34
